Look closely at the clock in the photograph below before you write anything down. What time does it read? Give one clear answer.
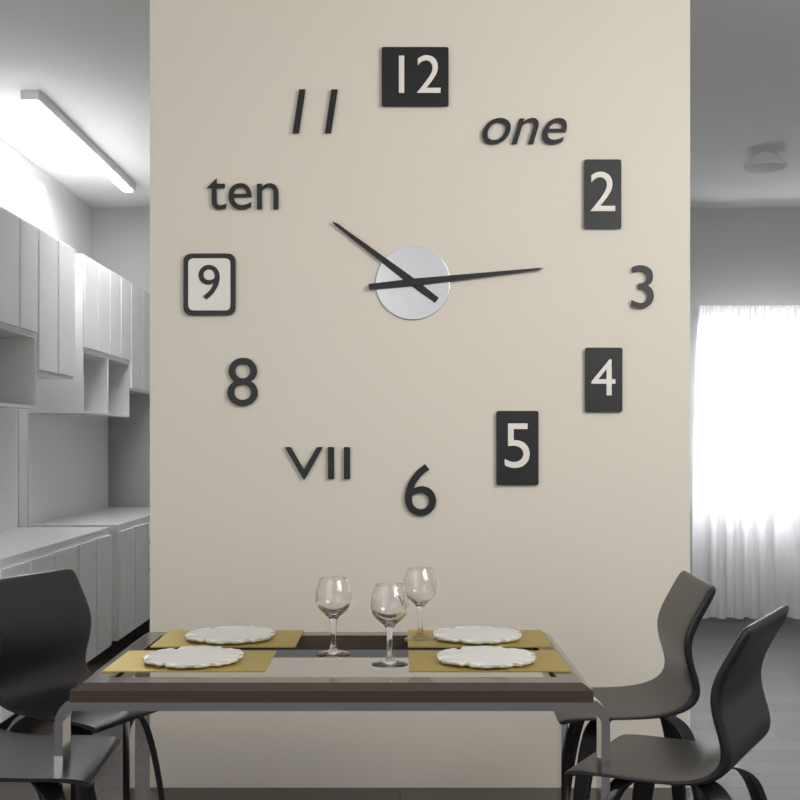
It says 10:14
